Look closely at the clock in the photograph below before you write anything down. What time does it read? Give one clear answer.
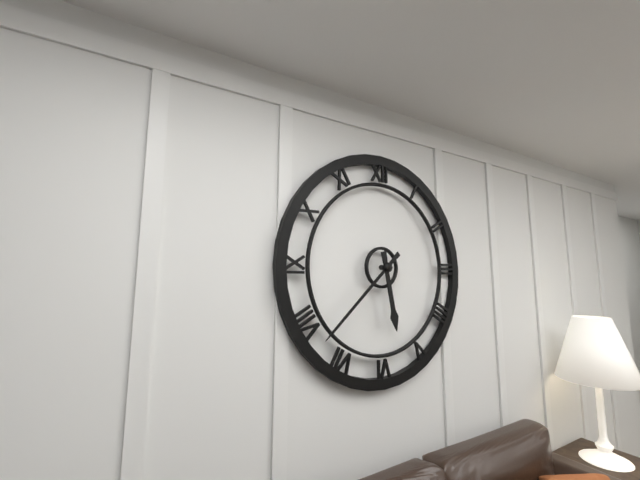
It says 5:38
